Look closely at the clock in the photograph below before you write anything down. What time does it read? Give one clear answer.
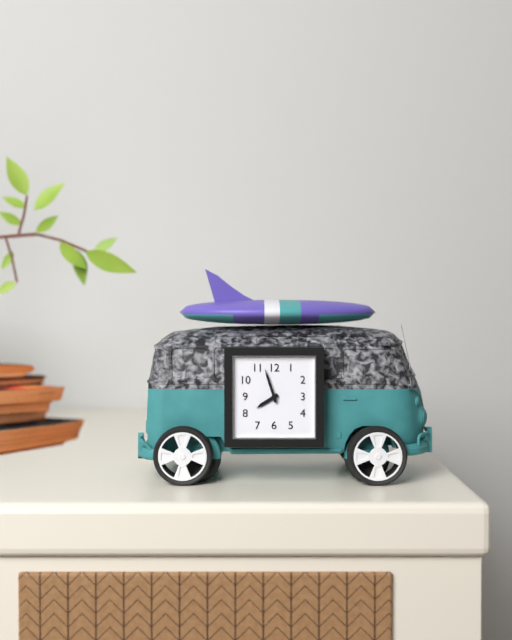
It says 7:57
